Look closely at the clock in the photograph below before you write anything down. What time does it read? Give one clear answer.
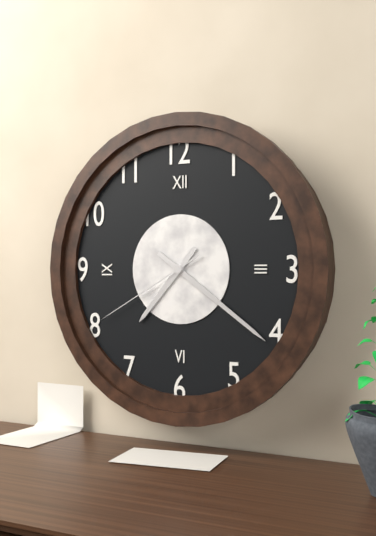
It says 7:21:40
